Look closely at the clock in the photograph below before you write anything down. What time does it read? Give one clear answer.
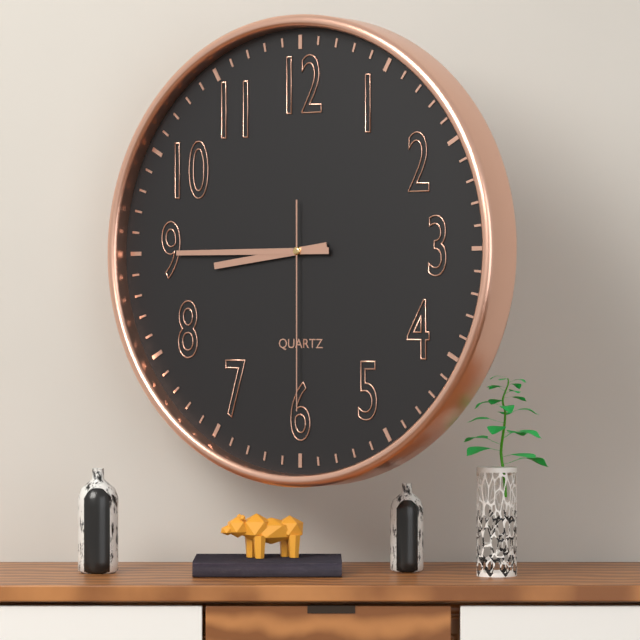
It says 8:45:30
